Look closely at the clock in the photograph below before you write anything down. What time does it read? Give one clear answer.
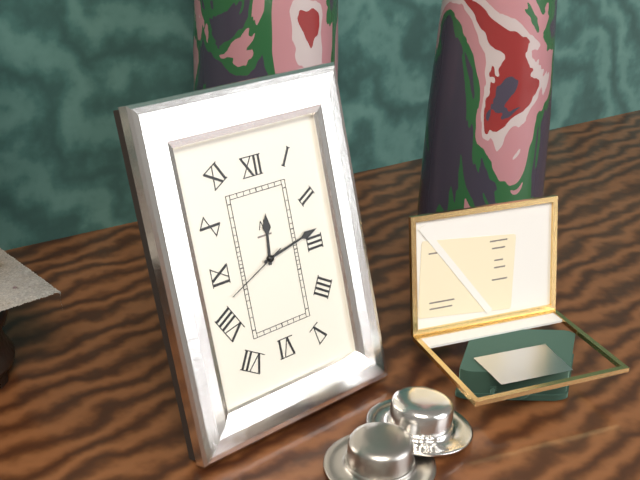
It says 12:13:41
